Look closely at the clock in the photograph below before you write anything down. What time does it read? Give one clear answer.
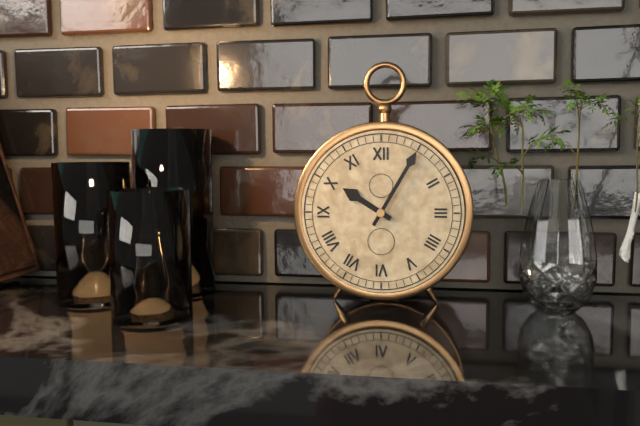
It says 10:05
